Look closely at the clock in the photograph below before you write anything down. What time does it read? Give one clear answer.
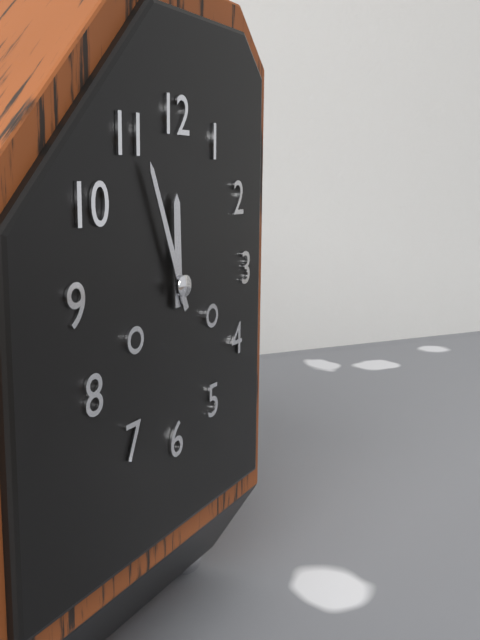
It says 11:56
